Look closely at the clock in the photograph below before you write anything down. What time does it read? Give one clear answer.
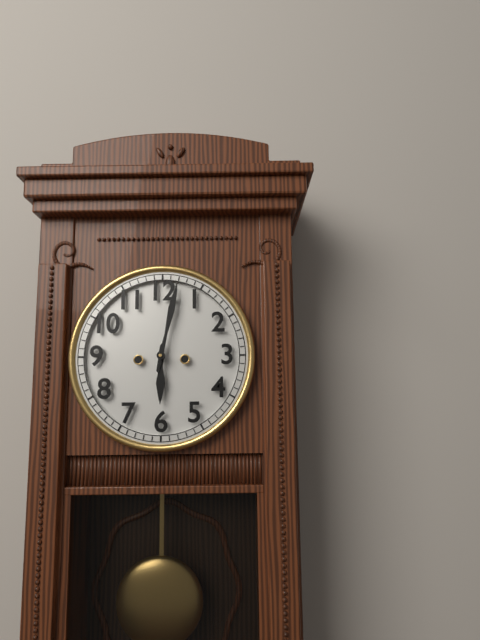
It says 6:02
